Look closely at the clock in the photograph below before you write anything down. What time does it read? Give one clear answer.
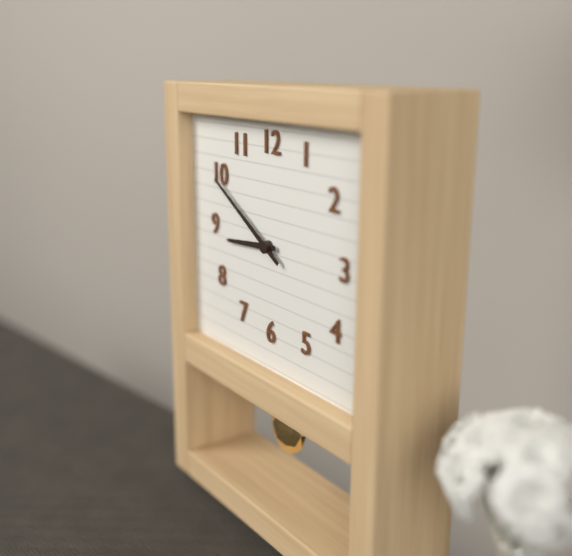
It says 8:50
